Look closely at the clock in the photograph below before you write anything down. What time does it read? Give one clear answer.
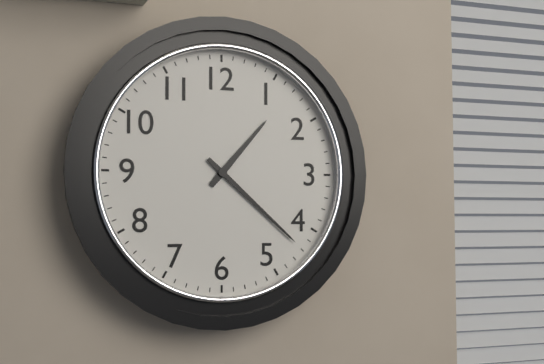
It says 1:22
